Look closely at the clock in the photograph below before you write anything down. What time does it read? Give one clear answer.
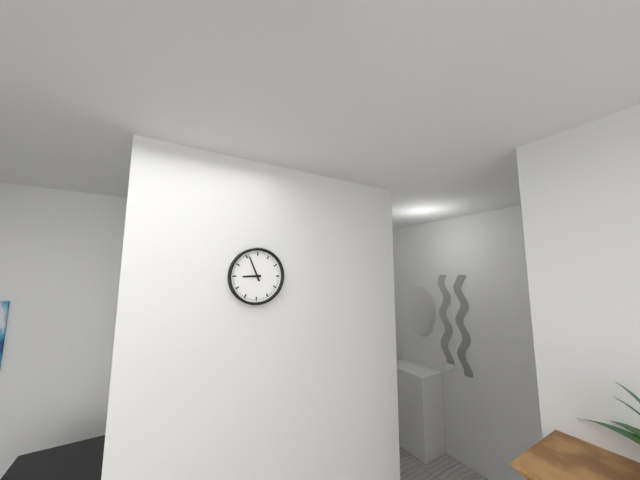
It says 8:56
